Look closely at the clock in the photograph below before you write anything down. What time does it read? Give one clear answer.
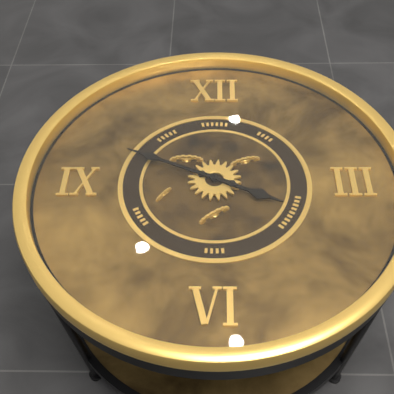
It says 3:49
